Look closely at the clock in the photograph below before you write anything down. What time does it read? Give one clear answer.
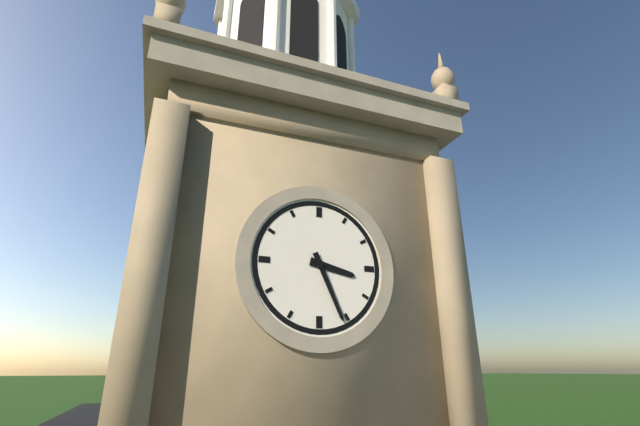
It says 3:26
